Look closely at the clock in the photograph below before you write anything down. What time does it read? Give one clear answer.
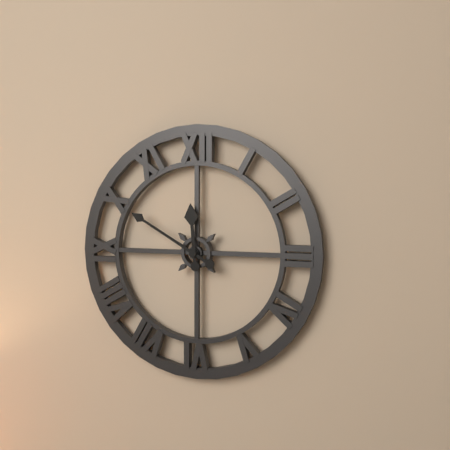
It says 11:50
